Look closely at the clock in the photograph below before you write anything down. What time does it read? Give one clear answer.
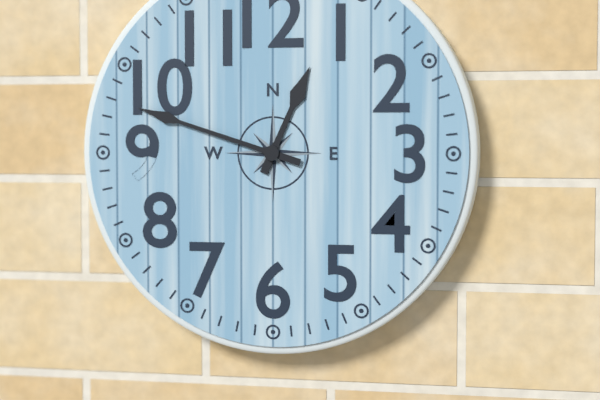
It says 12:48
